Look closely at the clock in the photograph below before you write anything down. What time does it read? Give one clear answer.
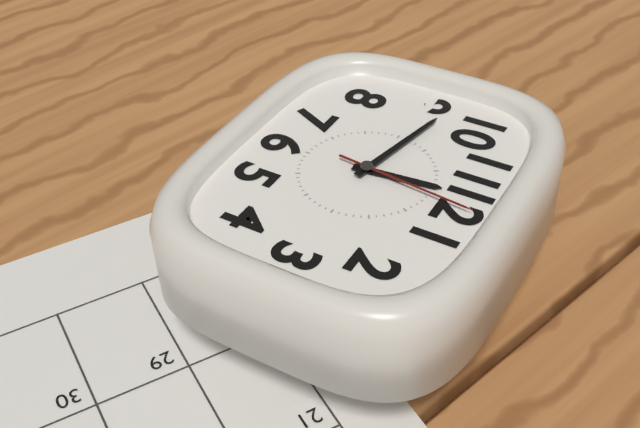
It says 11:47:01
